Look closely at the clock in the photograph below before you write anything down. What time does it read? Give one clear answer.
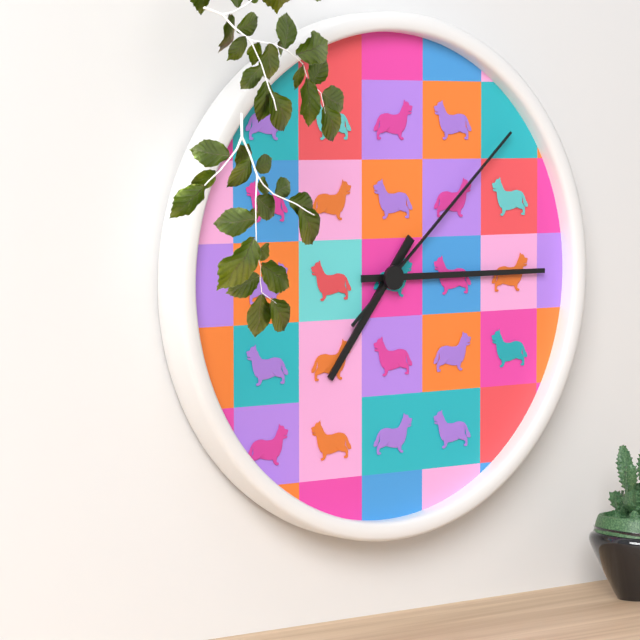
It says 7:15:08
